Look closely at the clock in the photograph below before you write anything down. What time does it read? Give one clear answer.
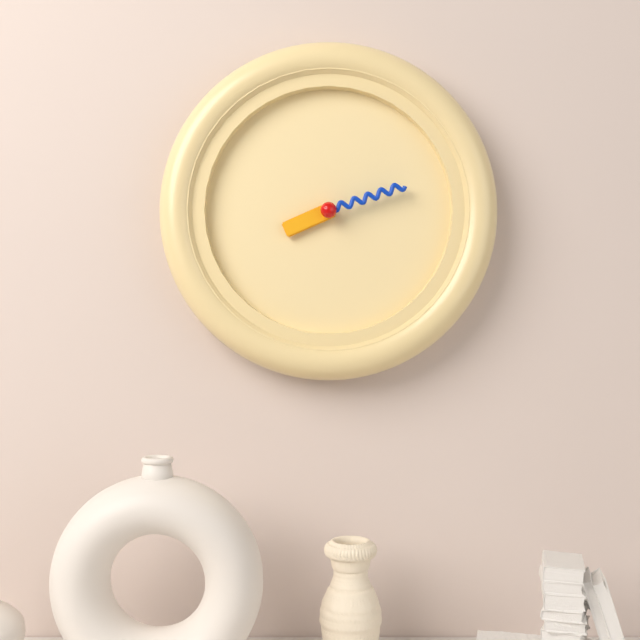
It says 8:12
